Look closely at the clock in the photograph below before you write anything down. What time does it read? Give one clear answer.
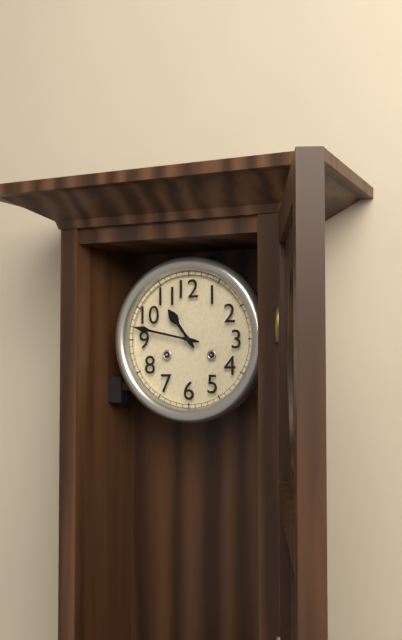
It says 10:47
